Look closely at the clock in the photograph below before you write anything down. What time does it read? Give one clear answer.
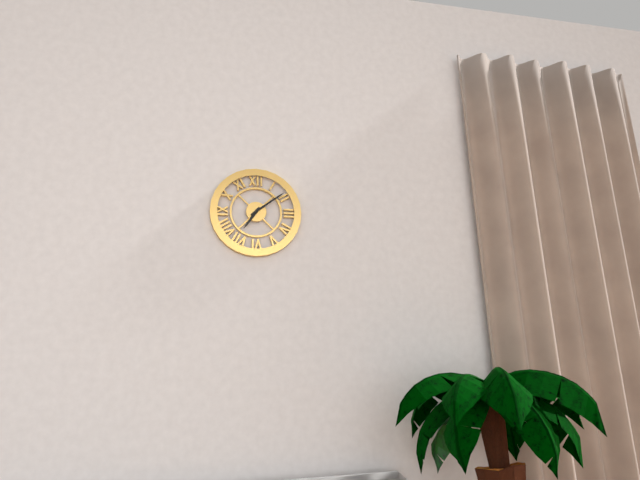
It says 7:09
